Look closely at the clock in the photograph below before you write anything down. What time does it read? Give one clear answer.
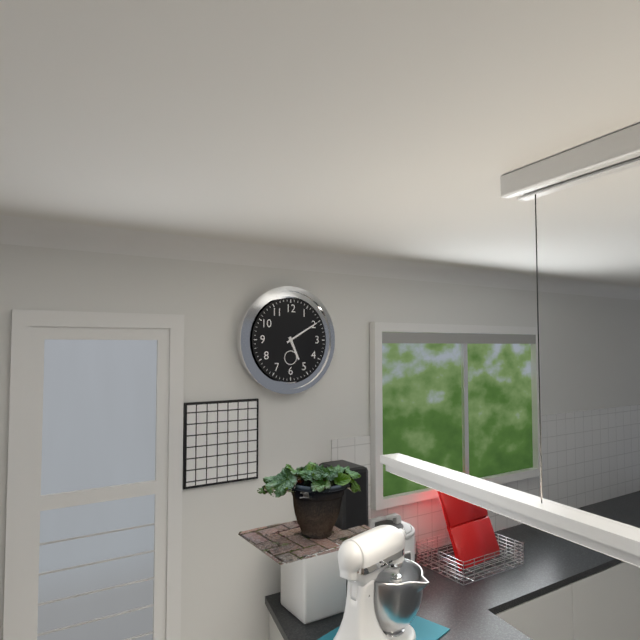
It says 5:10
